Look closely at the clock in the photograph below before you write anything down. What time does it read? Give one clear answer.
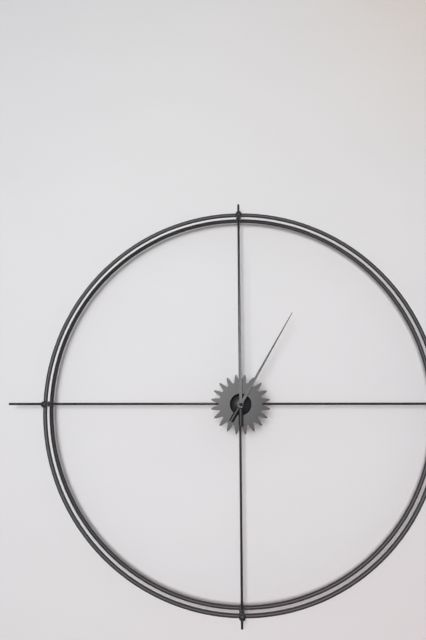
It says 1:00
